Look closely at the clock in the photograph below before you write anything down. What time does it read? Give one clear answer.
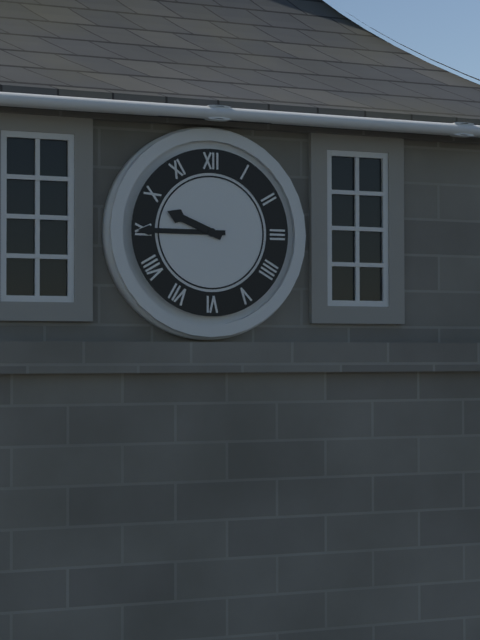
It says 9:45
